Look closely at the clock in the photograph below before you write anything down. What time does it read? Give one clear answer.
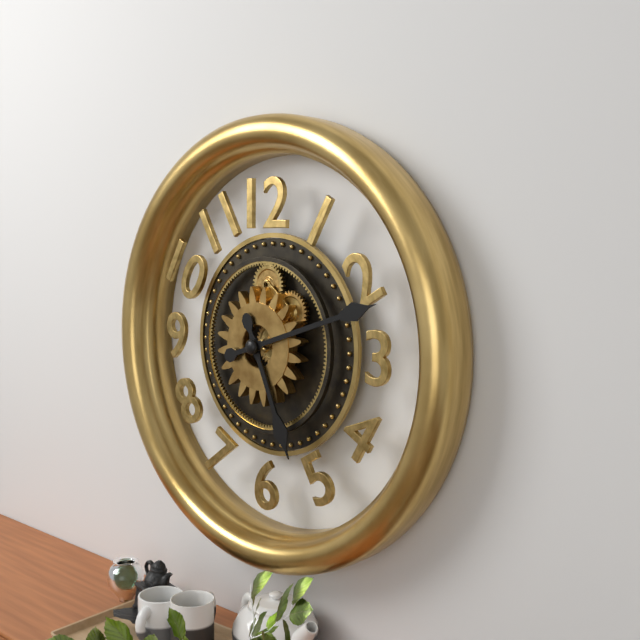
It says 5:12
